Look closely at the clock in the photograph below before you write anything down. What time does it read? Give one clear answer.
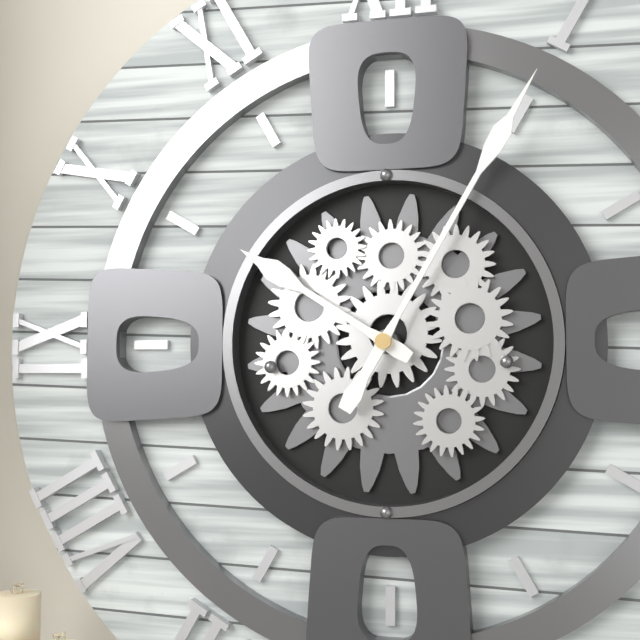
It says 10:05
